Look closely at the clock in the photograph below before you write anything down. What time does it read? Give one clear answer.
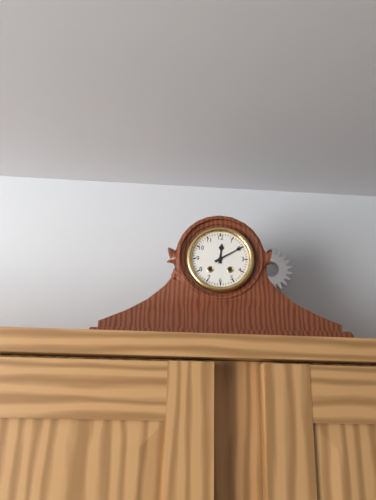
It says 12:10
